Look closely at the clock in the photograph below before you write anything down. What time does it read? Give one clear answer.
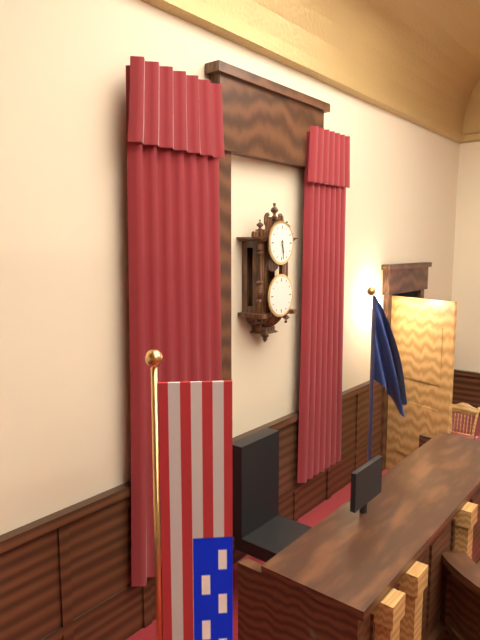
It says 5:29
